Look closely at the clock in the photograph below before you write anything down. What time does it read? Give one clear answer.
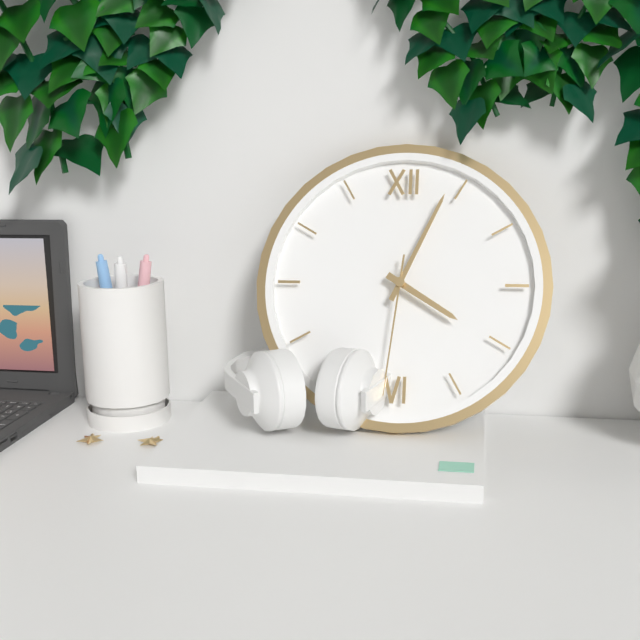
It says 4:04:31
